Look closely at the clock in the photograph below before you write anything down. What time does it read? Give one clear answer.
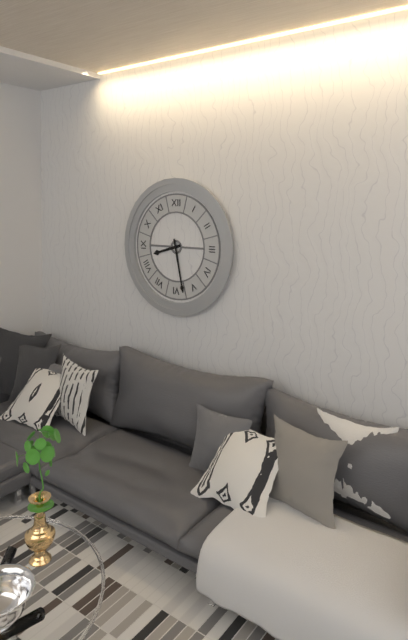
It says 8:28
